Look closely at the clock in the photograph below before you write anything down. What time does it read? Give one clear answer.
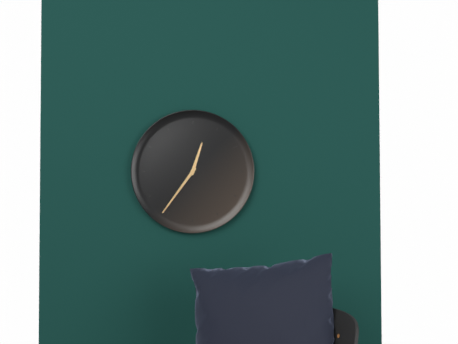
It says 12:36
